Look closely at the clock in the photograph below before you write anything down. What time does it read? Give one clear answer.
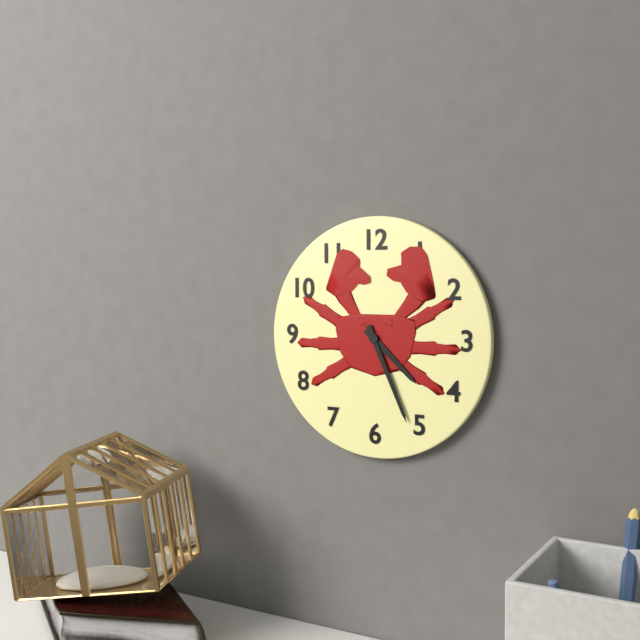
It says 4:26
